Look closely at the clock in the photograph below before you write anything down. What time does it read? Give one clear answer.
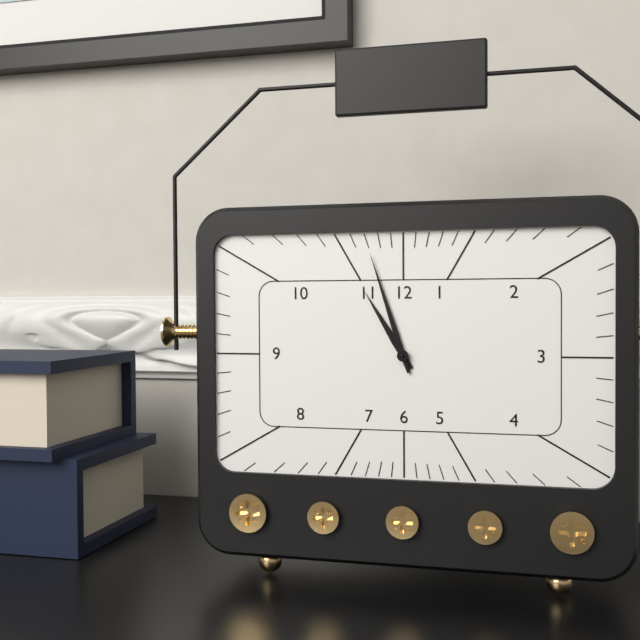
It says 10:57
